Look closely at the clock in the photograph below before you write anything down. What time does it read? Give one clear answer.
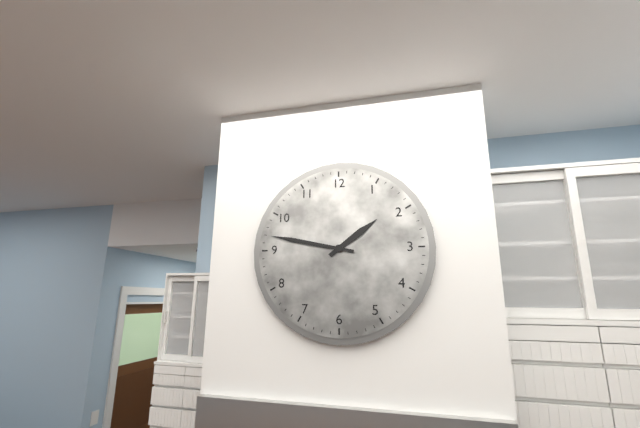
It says 1:47
